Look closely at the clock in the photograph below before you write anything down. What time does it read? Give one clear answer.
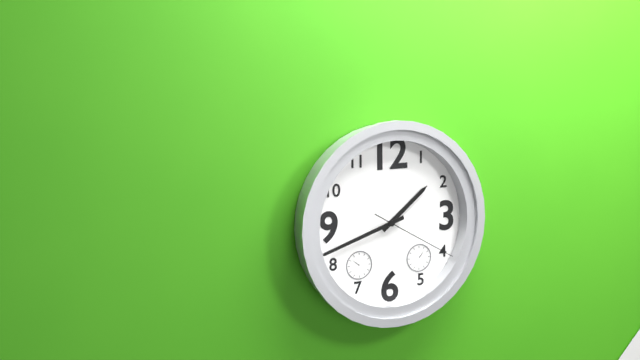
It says 1:42:20
